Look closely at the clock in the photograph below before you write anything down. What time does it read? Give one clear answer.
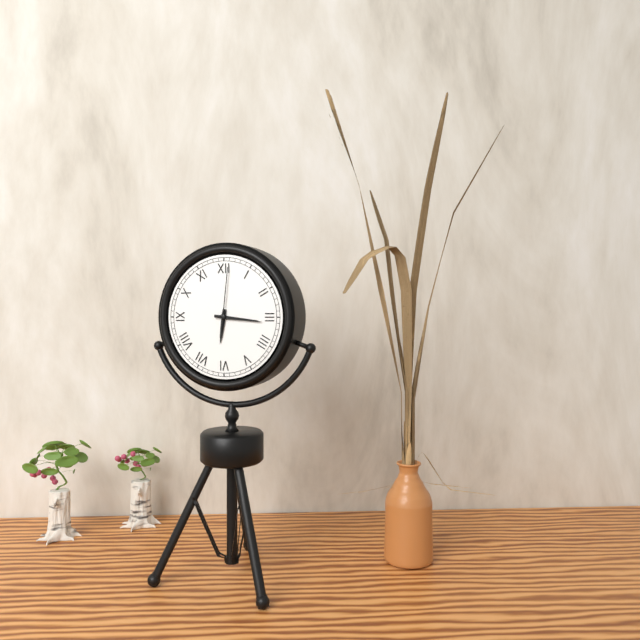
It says 6:16:01
